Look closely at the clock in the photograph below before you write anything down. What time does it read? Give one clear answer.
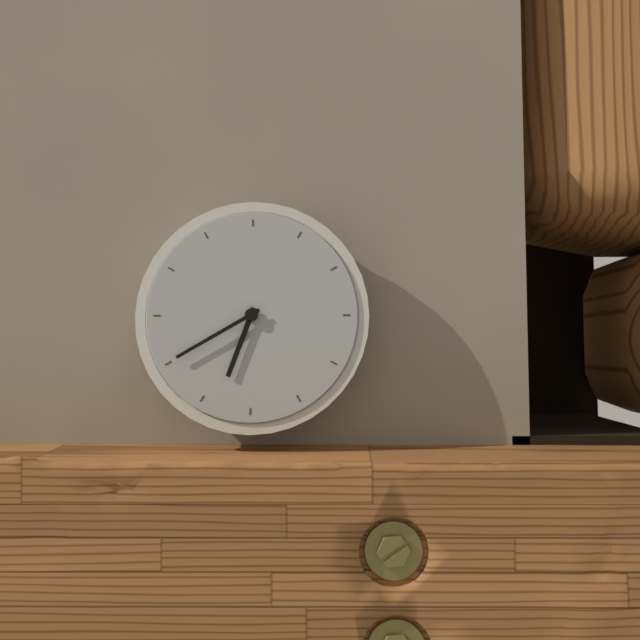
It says 6:40
